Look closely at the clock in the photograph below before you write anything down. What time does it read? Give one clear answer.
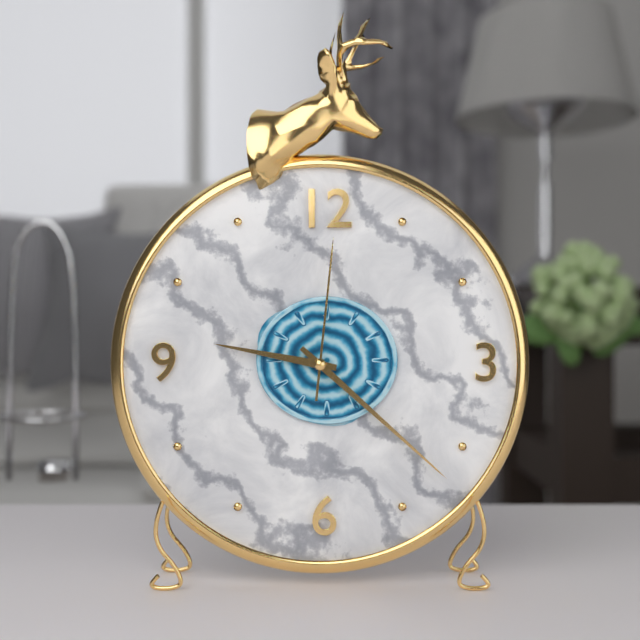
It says 9:22:01
